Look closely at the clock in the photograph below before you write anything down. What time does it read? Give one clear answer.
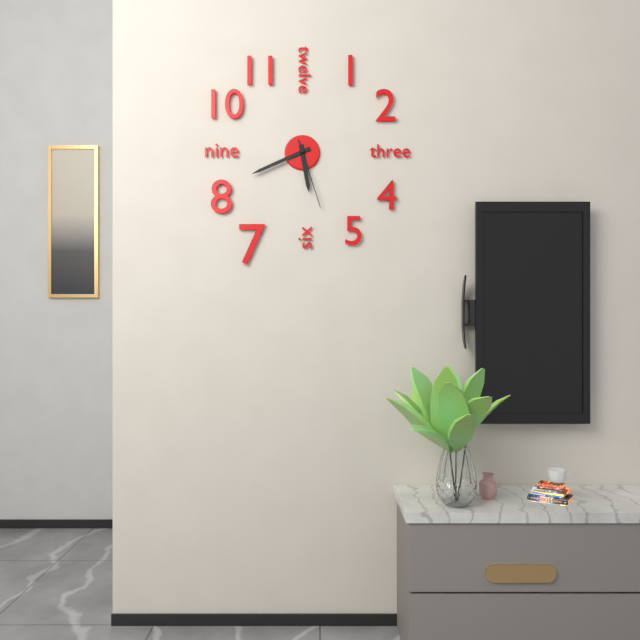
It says 5:41:27
